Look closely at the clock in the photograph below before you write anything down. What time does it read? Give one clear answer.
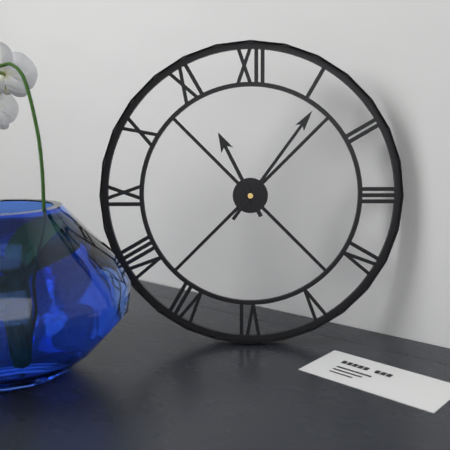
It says 11:06
